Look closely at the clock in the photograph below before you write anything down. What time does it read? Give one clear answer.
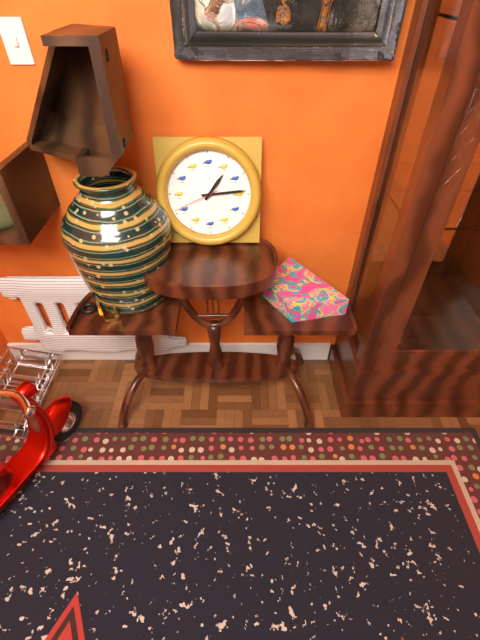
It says 1:14
